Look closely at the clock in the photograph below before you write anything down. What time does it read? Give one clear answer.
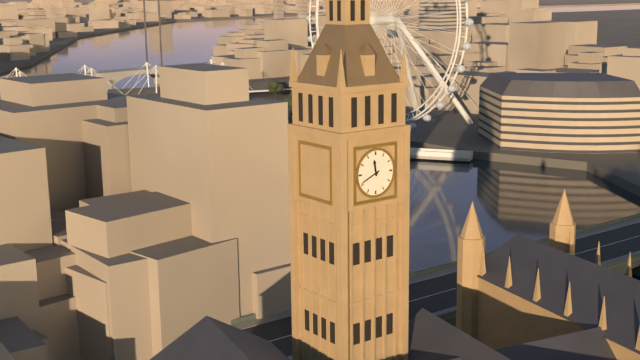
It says 11:41
